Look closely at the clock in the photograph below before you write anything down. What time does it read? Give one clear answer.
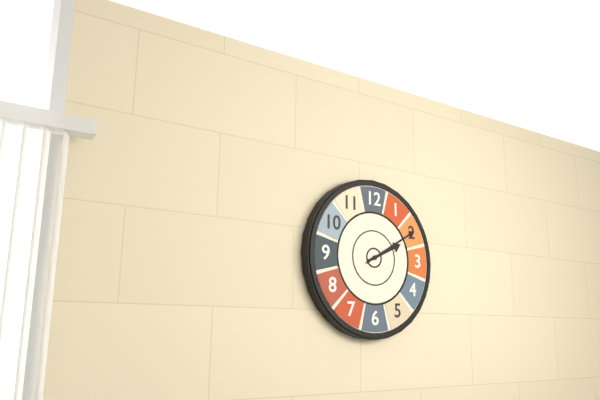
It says 2:10
